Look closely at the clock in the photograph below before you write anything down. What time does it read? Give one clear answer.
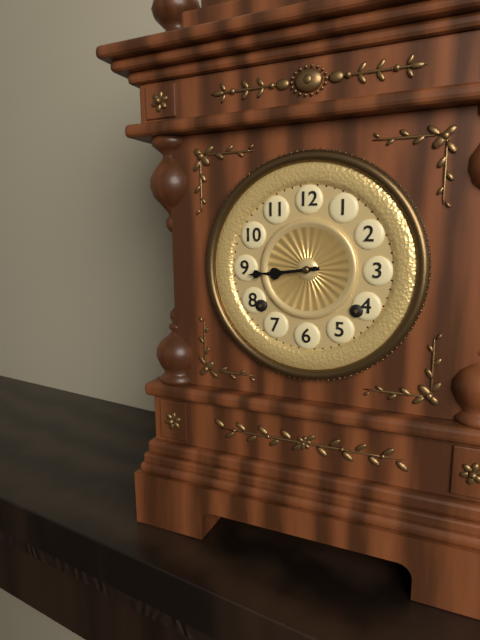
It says 8:44
